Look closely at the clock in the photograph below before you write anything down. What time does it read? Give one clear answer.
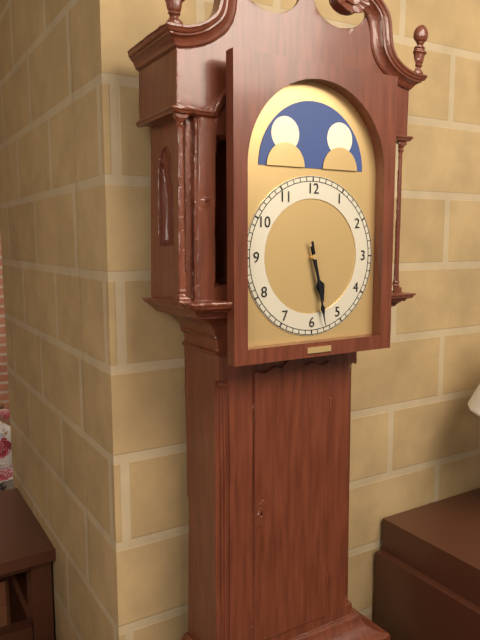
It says 5:28
